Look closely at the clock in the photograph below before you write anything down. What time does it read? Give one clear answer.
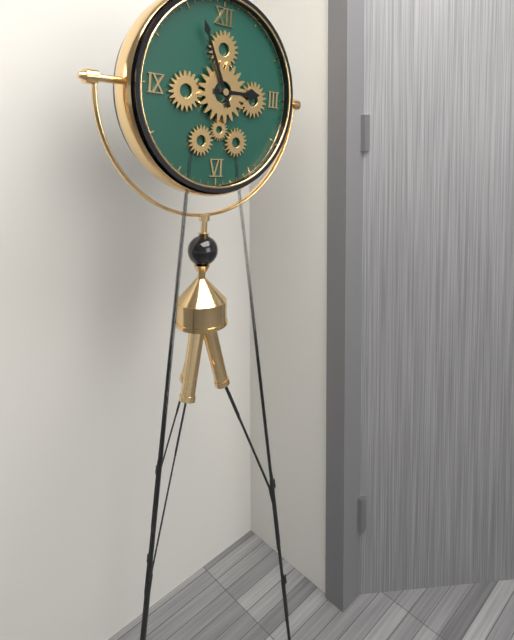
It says 2:56
